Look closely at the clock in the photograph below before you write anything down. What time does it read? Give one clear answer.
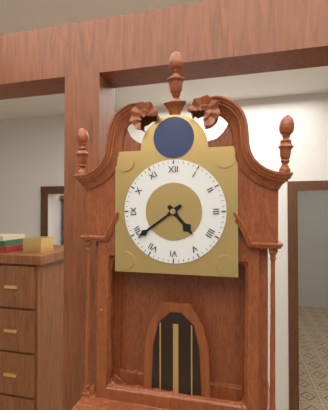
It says 4:39
